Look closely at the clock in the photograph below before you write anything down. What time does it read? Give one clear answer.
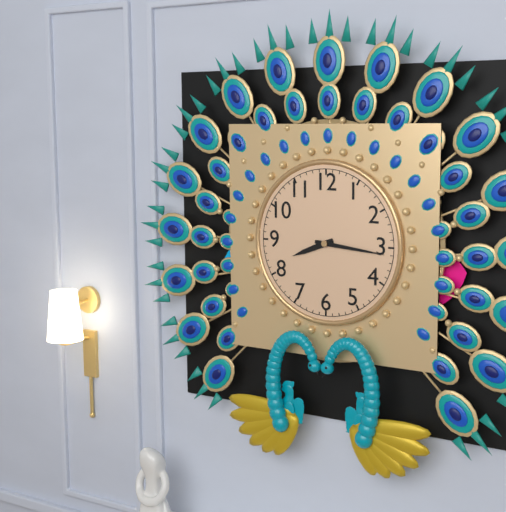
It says 8:16
